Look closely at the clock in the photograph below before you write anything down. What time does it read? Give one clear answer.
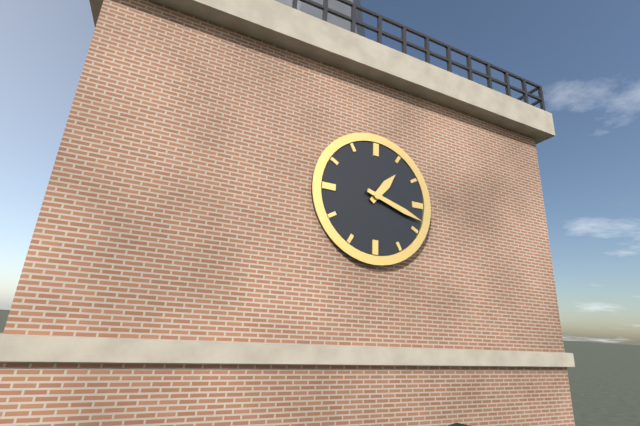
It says 1:18
